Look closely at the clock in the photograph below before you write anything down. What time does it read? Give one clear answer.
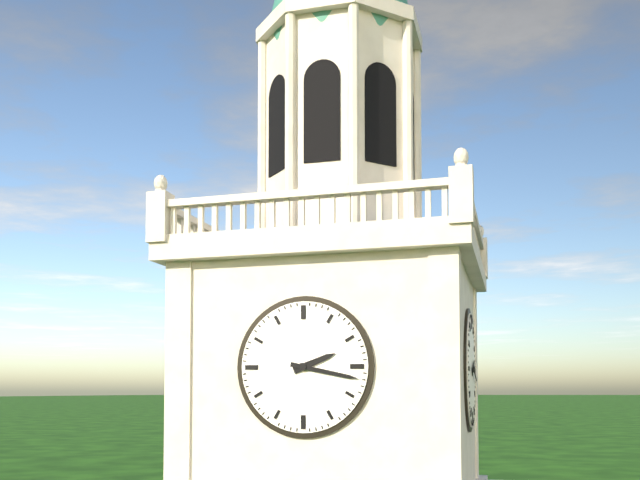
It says 2:17
